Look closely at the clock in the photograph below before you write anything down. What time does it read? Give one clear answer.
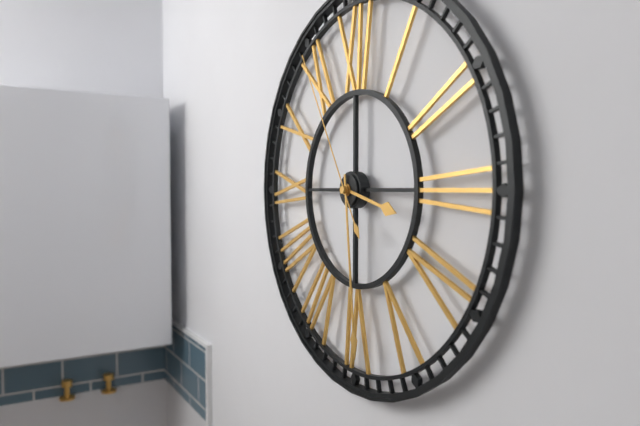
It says 3:29:55
